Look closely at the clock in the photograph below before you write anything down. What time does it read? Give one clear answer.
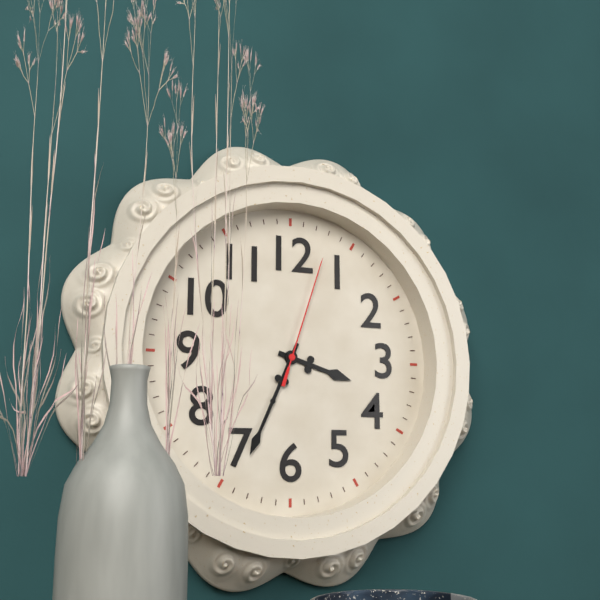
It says 3:34:03
